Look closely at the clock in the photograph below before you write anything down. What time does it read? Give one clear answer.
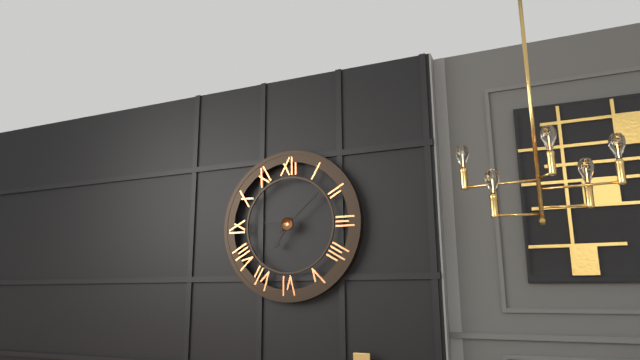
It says 7:08
